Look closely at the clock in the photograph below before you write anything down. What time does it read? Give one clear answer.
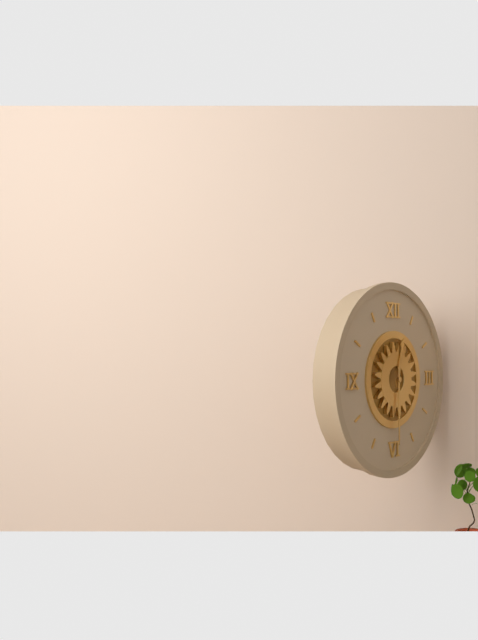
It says 12:30
